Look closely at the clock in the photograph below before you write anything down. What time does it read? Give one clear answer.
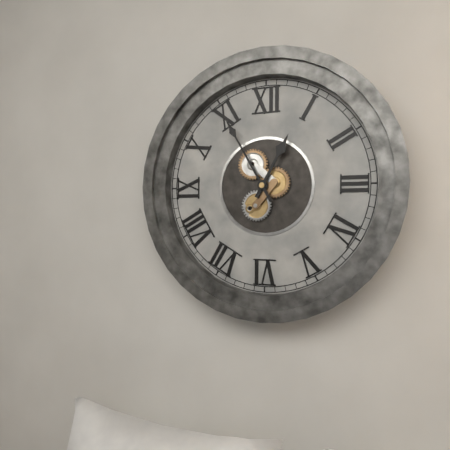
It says 12:55
